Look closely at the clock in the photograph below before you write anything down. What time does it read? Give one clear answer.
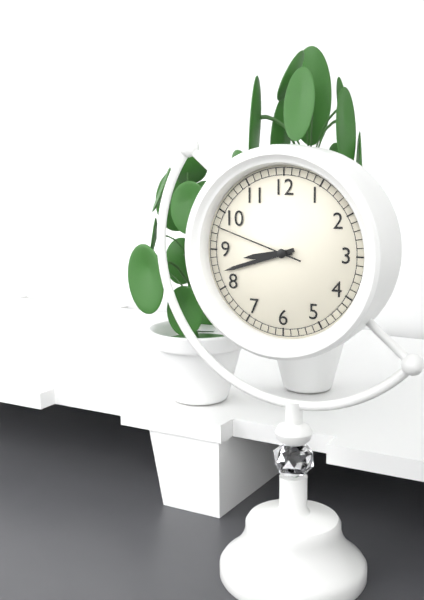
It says 8:42:48
